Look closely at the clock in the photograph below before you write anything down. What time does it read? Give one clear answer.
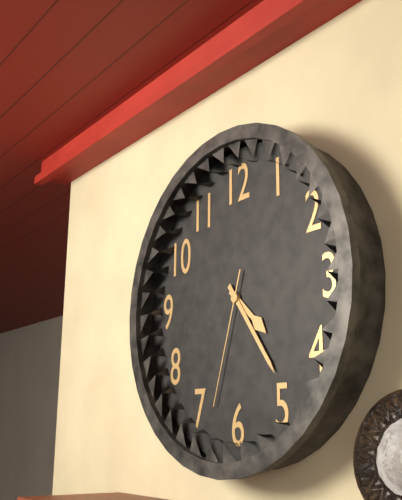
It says 4:24:33
